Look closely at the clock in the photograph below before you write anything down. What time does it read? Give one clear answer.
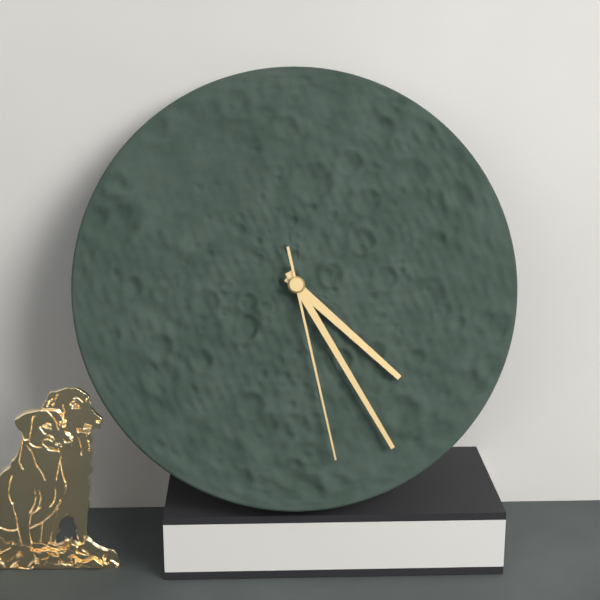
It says 4:25:28
